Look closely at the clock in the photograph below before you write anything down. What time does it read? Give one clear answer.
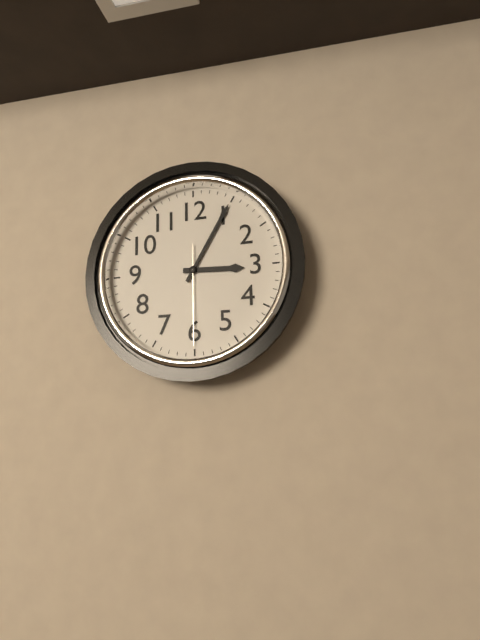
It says 3:05:30
